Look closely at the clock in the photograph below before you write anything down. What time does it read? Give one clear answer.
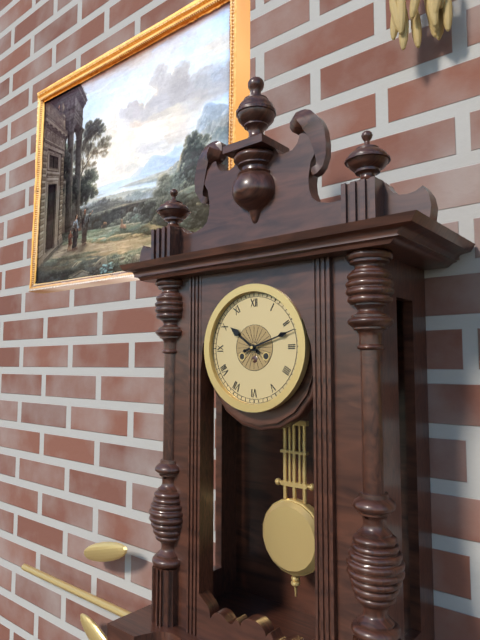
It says 10:12
